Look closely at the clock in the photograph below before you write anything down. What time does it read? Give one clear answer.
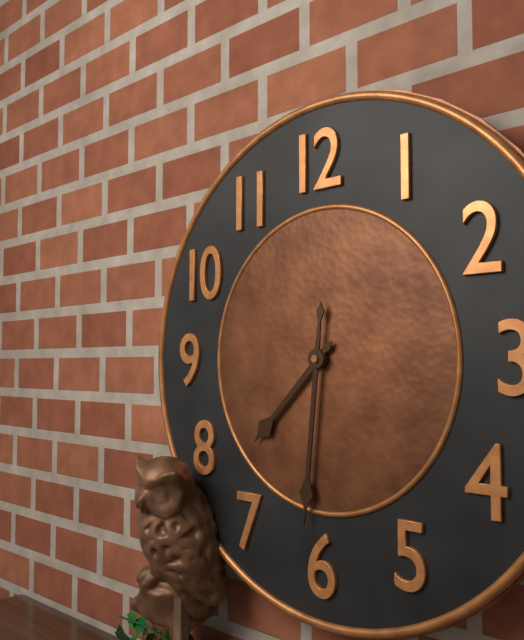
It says 7:31
